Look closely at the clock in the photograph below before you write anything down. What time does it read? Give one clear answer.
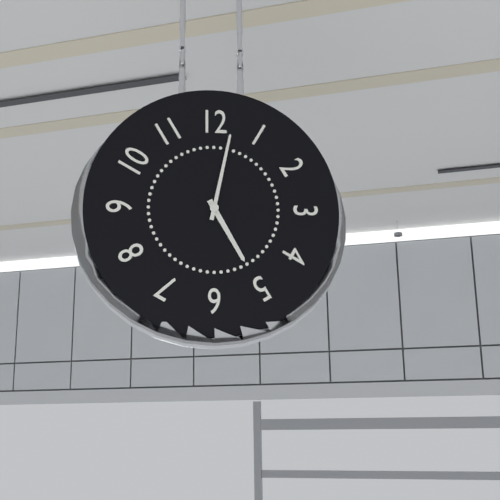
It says 5:02
